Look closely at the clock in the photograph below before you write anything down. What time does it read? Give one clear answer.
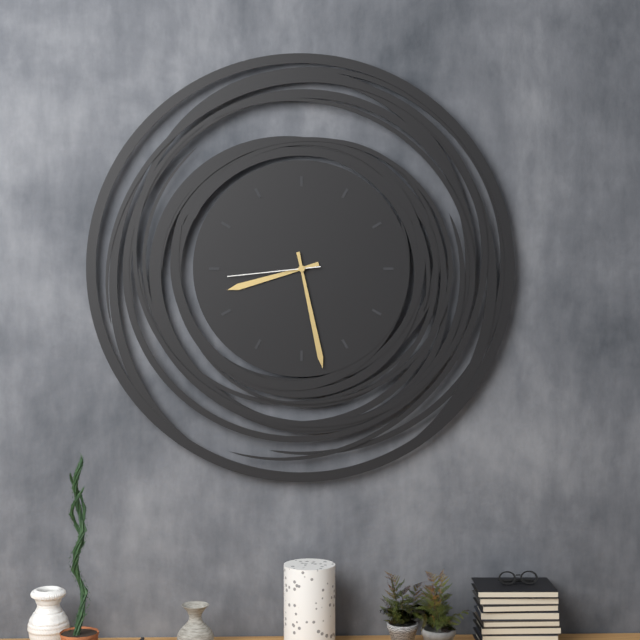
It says 8:28:44
